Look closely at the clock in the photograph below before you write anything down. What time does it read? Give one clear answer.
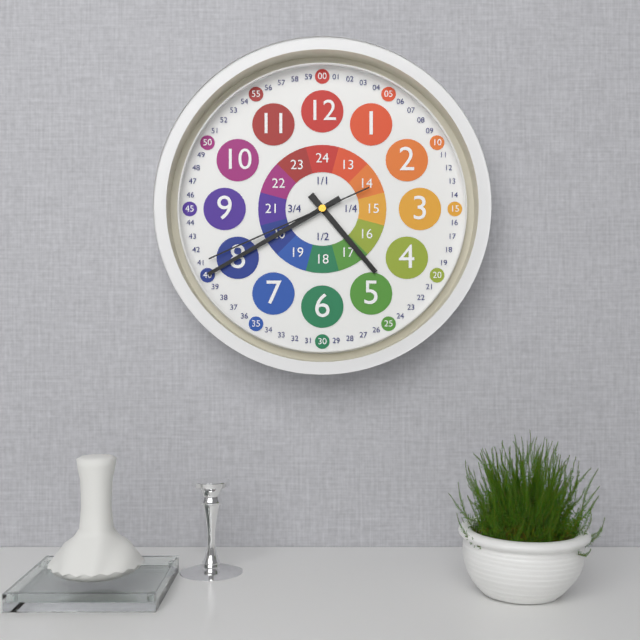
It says 4:40:41
